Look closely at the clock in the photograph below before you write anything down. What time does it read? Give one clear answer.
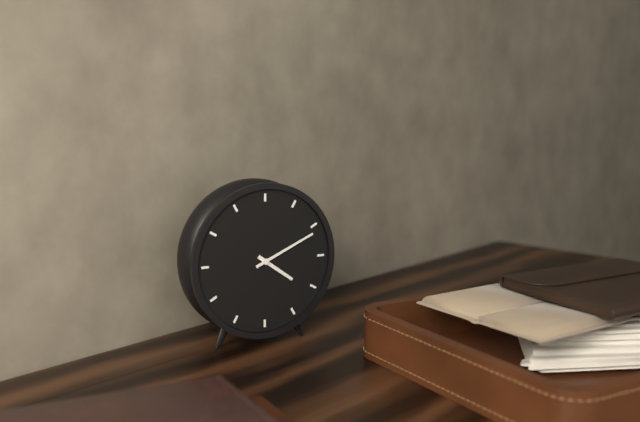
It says 4:11
